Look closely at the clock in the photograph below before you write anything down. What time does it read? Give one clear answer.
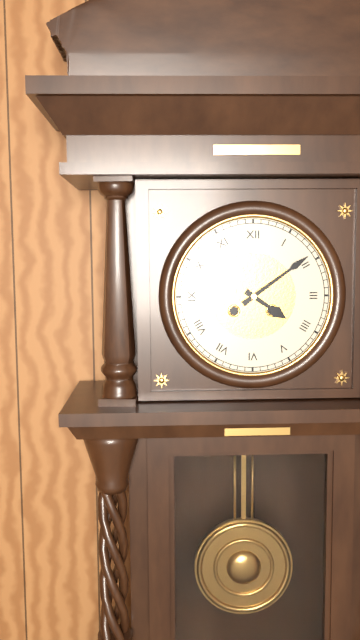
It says 4:09
